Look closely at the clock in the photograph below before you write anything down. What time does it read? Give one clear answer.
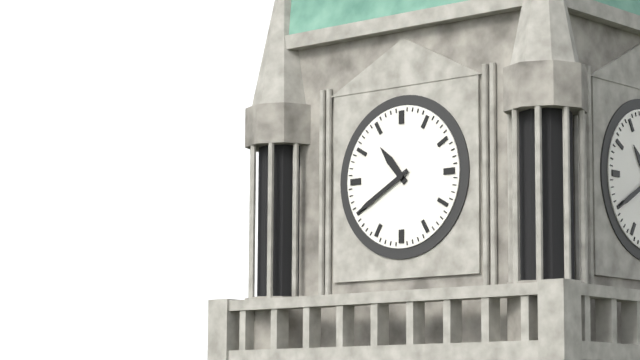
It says 10:40
